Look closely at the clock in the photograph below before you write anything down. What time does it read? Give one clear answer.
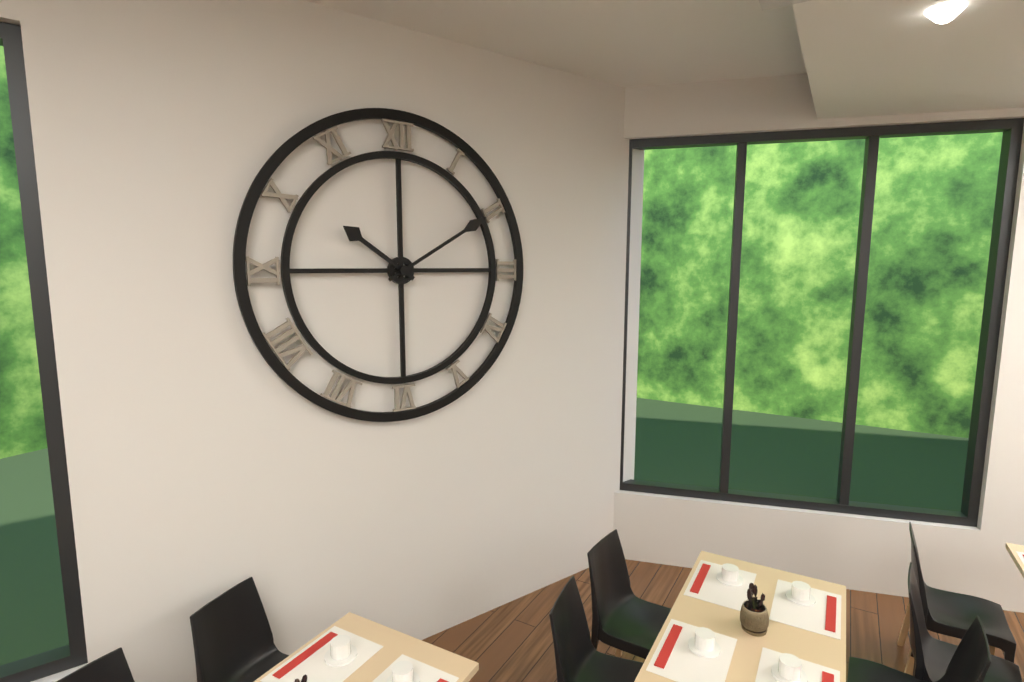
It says 10:10
